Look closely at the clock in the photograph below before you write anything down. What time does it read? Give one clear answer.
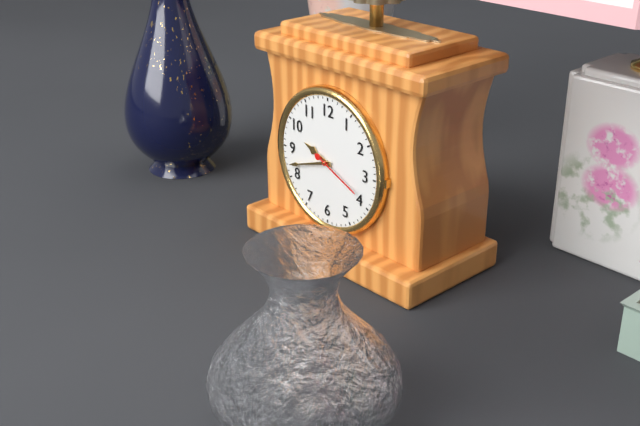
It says 9:42:19
